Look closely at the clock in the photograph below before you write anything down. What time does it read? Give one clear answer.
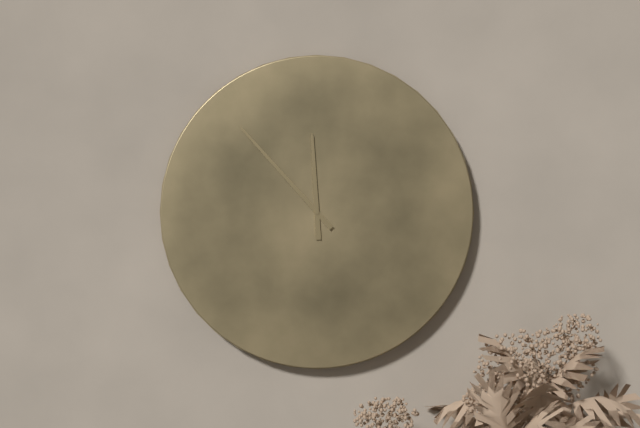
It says 11:53
